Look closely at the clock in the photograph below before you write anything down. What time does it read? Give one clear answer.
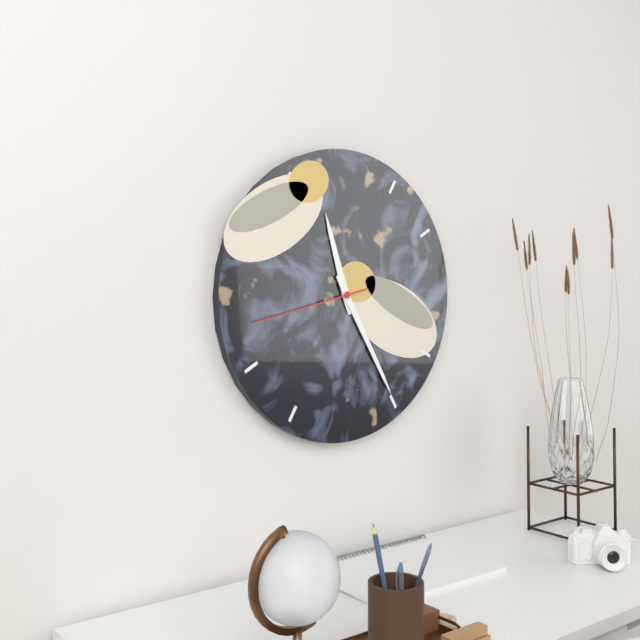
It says 11:25:43
